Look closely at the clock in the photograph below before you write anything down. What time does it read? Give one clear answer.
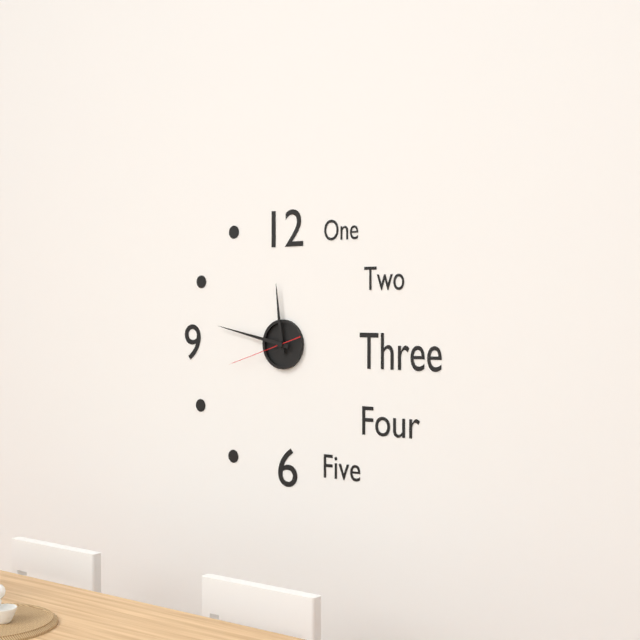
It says 11:47:42
